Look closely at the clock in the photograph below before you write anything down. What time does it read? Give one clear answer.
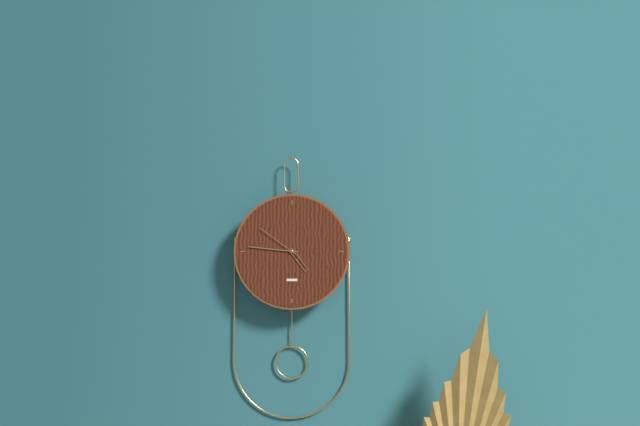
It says 4:46:51
